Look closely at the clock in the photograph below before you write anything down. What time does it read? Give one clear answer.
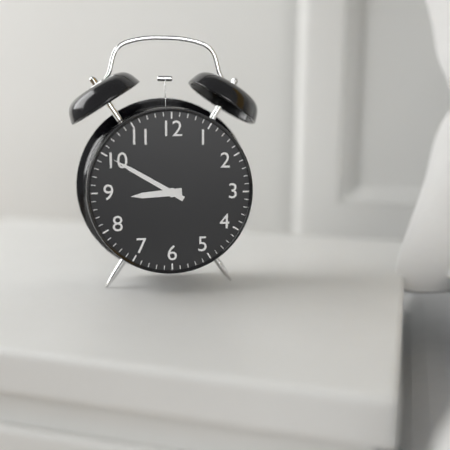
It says 8:50
